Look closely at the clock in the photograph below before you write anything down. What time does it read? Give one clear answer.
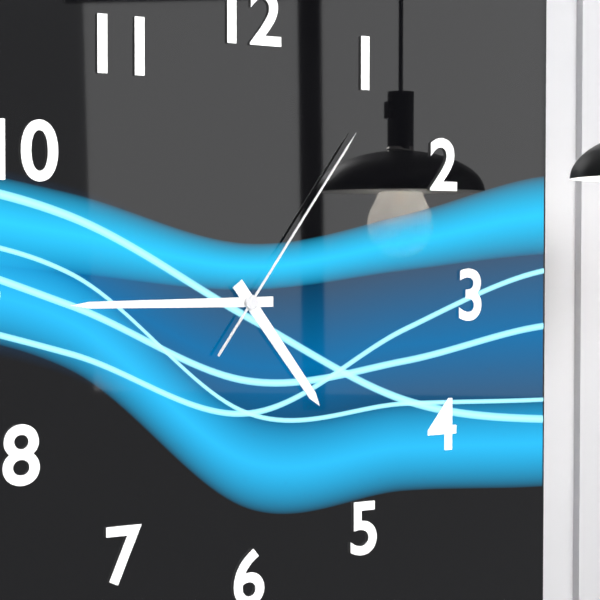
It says 4:45:06
